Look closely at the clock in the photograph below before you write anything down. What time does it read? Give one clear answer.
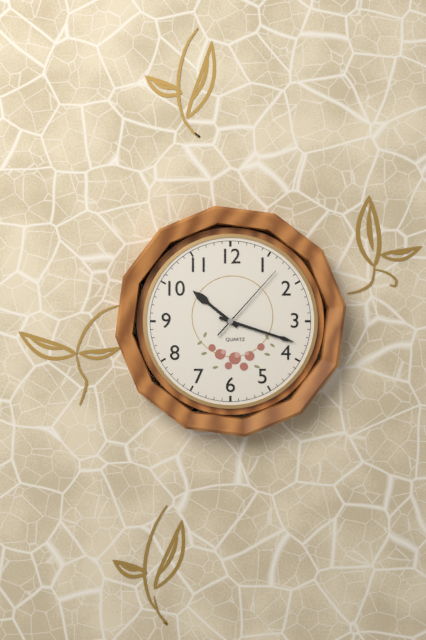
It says 10:18:07
